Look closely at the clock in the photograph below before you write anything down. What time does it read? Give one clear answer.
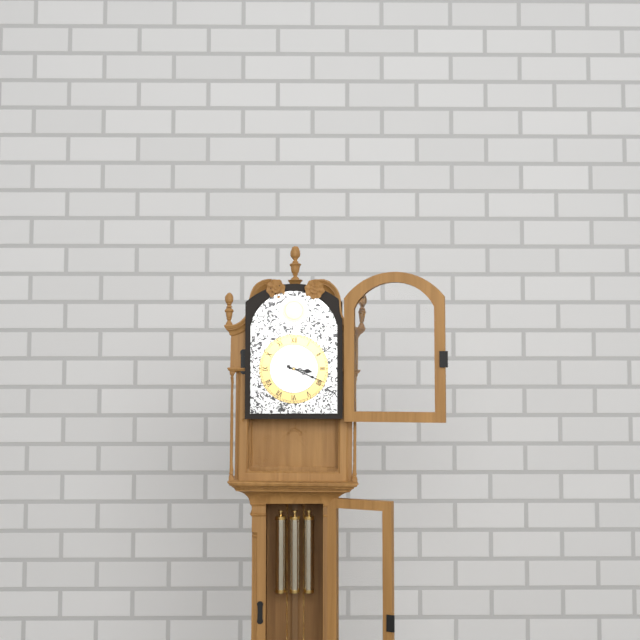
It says 3:19
